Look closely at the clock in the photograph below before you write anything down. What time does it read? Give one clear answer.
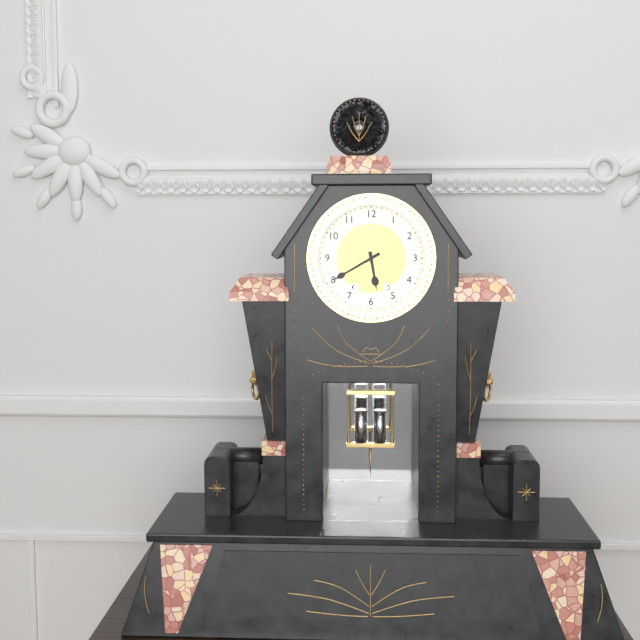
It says 5:40
